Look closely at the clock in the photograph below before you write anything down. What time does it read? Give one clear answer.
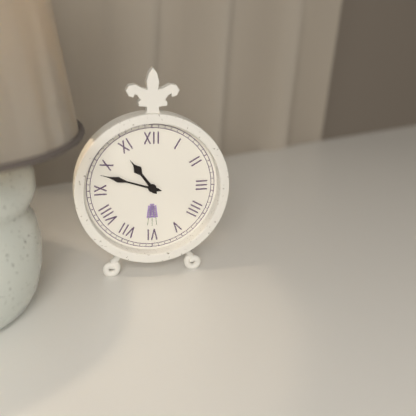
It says 10:48
